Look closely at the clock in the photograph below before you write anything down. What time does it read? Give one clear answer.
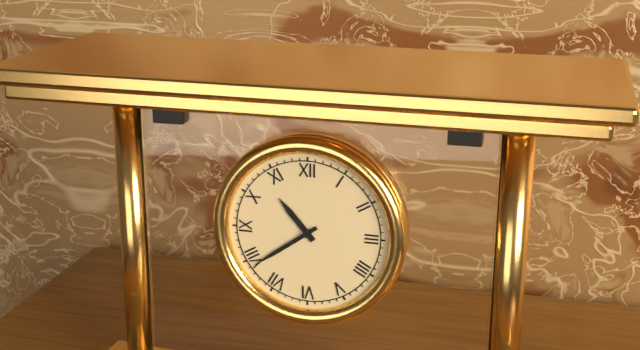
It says 10:39
